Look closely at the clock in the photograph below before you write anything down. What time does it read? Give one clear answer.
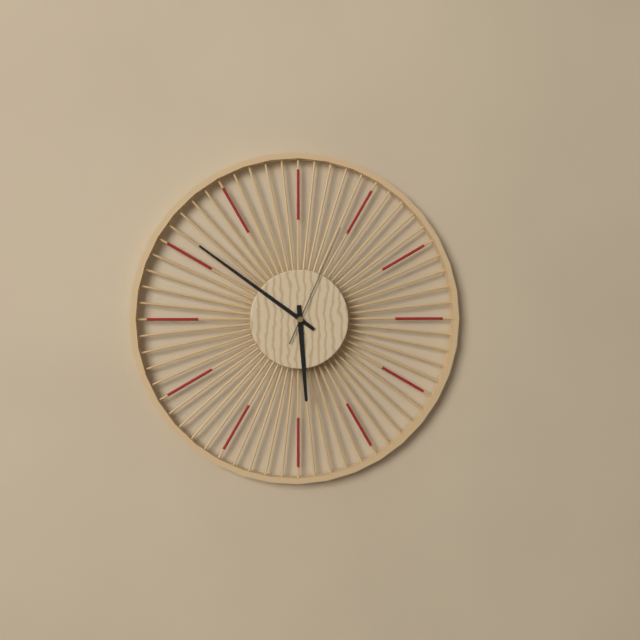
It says 5:51:04
